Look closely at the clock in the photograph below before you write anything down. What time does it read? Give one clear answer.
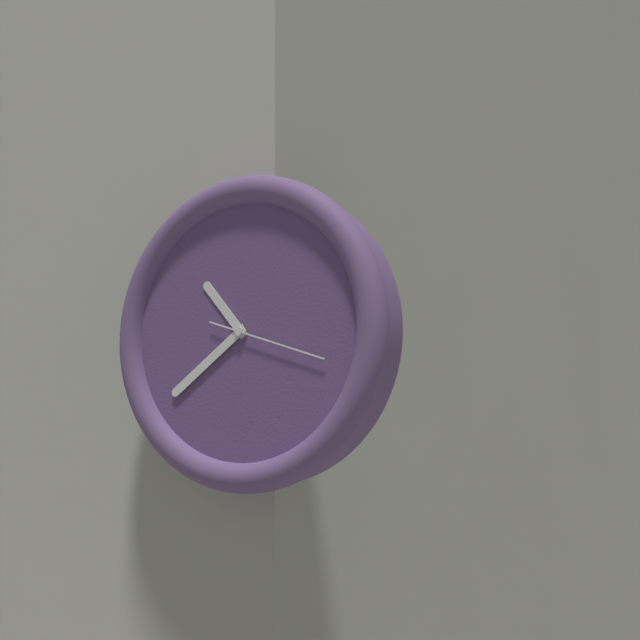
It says 10:39:18
